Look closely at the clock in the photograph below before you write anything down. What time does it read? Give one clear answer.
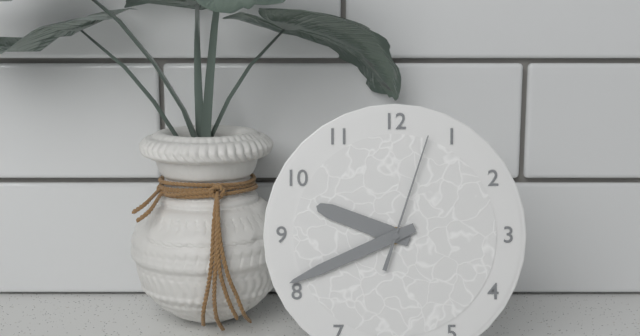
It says 9:41:03
